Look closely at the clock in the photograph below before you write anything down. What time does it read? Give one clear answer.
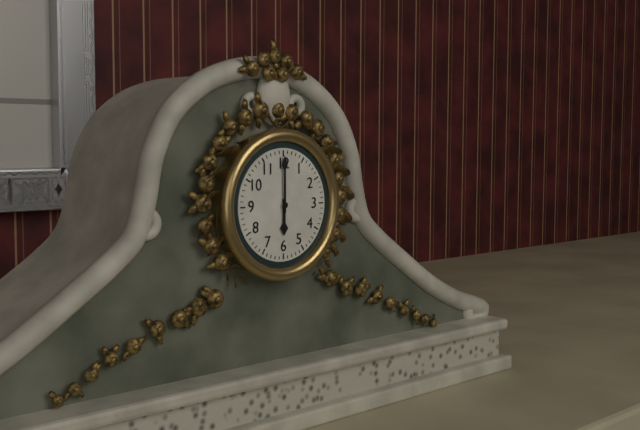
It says 6:00
